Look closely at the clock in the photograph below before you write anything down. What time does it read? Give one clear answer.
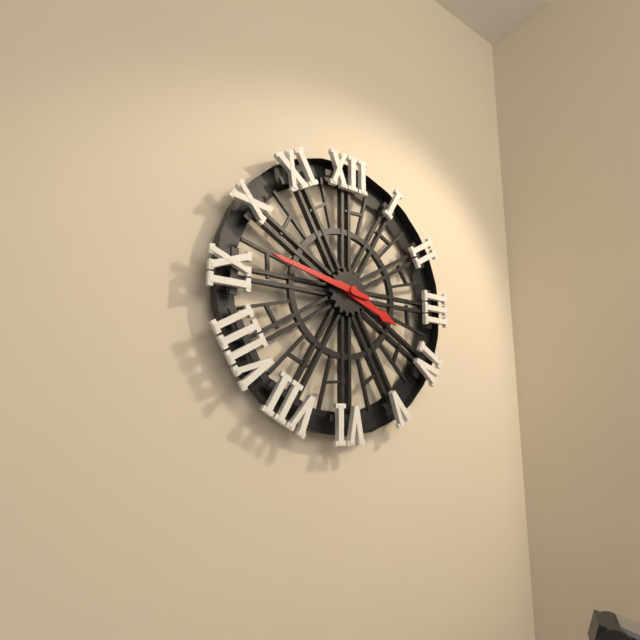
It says 3:47
